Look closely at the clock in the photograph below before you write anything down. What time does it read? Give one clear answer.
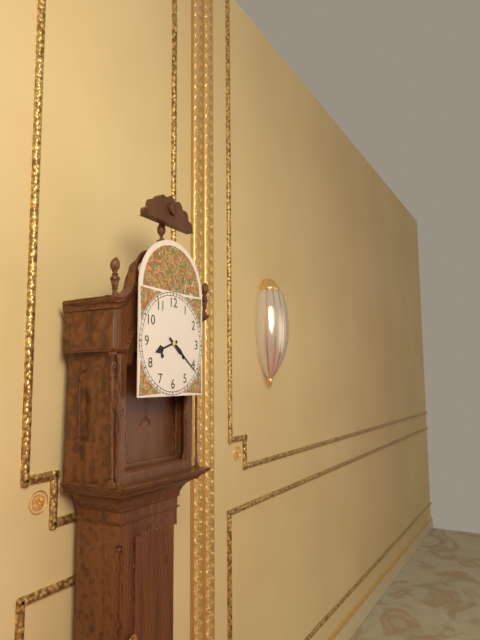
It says 8:21
